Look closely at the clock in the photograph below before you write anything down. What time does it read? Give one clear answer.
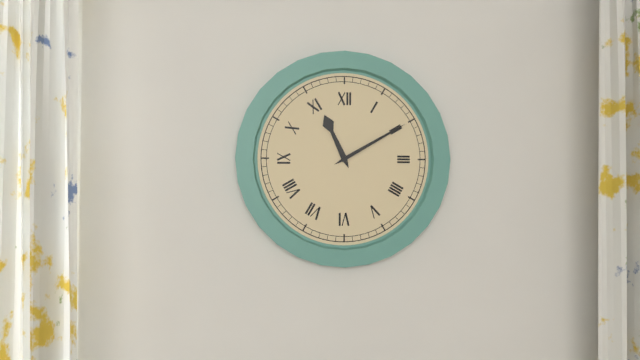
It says 11:10
